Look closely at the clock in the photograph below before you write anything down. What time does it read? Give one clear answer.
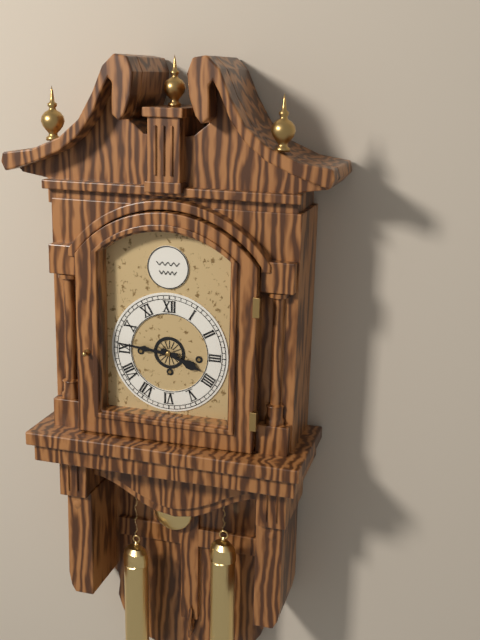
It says 3:46
